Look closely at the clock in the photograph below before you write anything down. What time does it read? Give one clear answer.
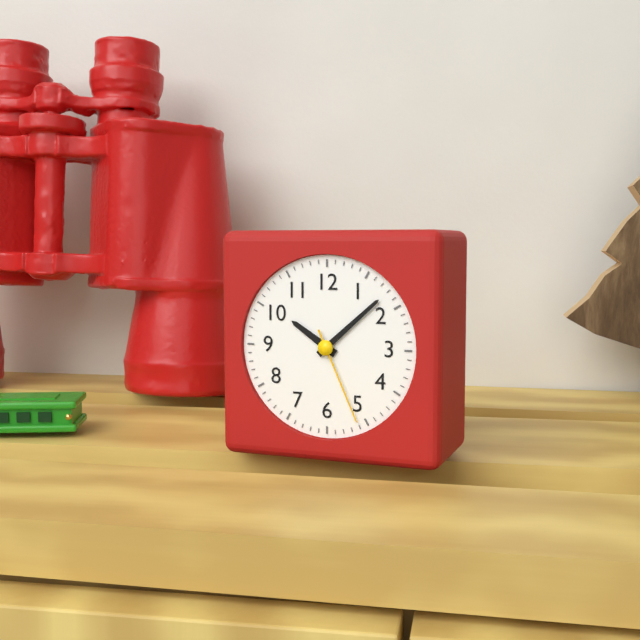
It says 10:08:26
